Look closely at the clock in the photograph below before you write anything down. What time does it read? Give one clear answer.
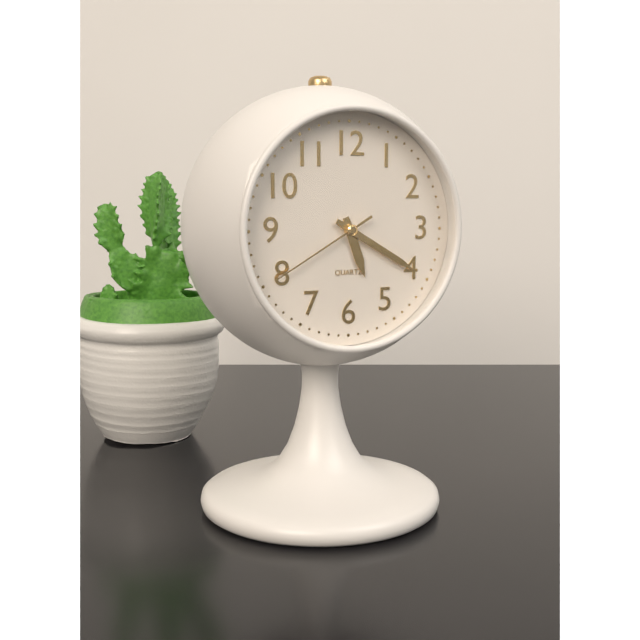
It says 5:20:40
